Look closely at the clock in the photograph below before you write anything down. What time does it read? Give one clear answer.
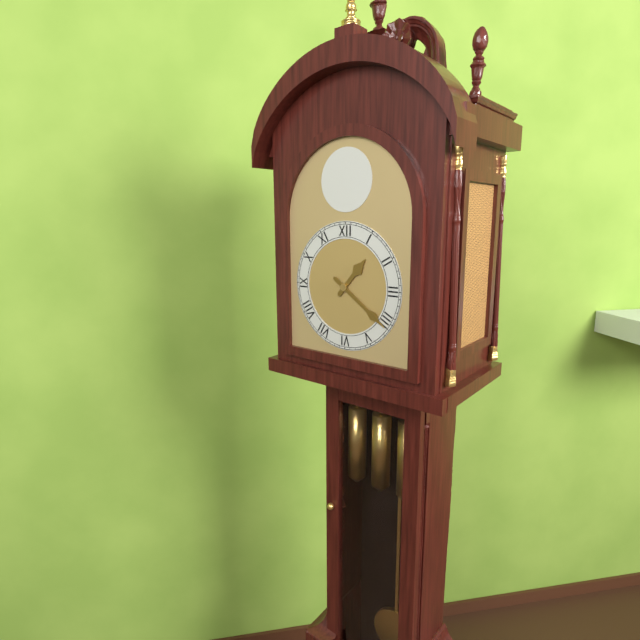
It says 1:21
